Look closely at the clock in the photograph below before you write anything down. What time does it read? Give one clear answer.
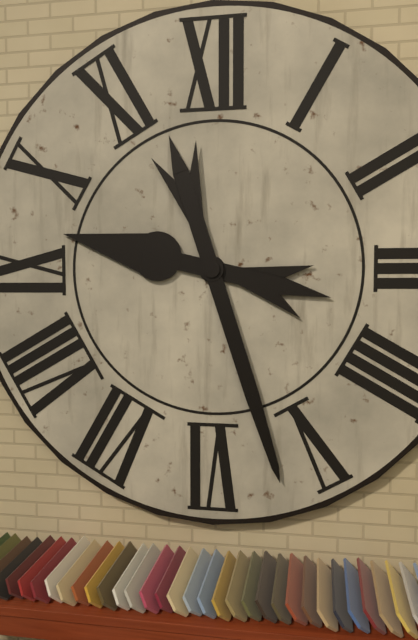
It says 9:27
